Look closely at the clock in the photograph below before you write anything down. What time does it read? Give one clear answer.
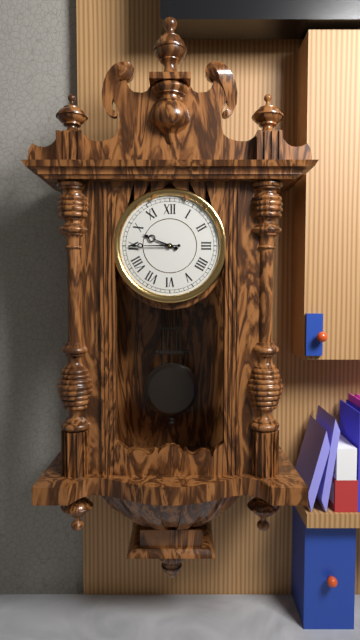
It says 9:45
